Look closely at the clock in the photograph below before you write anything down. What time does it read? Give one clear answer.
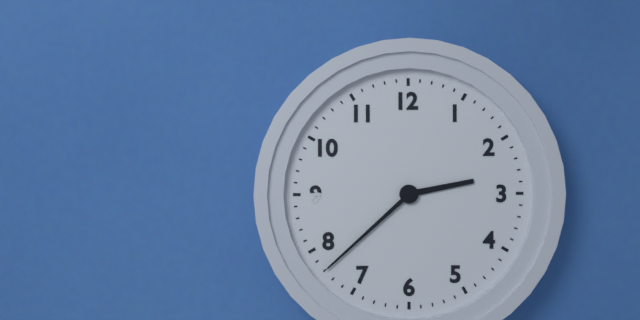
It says 2:38
